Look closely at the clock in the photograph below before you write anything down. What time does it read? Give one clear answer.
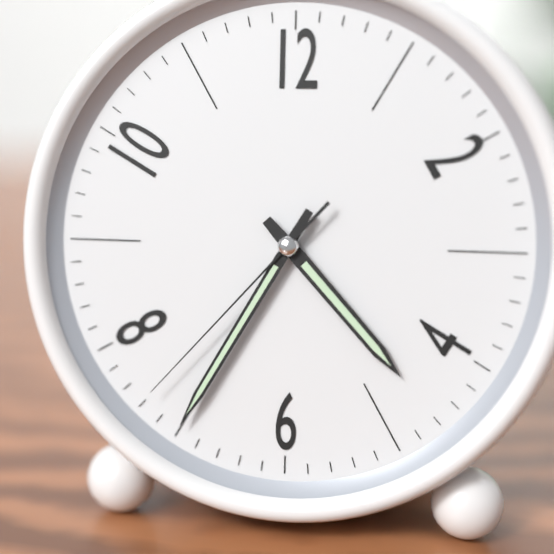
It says 4:35:37
